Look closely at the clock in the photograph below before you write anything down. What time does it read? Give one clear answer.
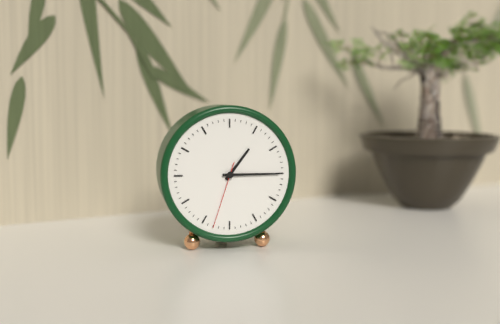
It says 1:15:33
